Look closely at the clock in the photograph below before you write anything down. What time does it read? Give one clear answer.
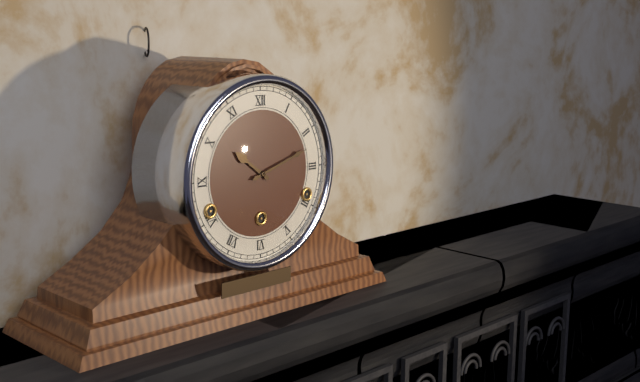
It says 10:12
